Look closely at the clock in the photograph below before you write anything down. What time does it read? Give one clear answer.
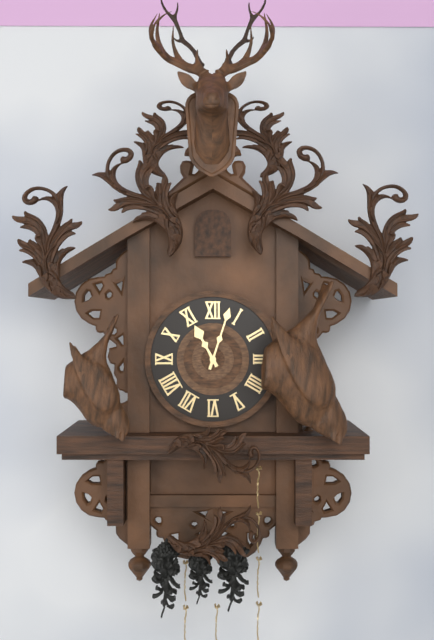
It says 11:03
